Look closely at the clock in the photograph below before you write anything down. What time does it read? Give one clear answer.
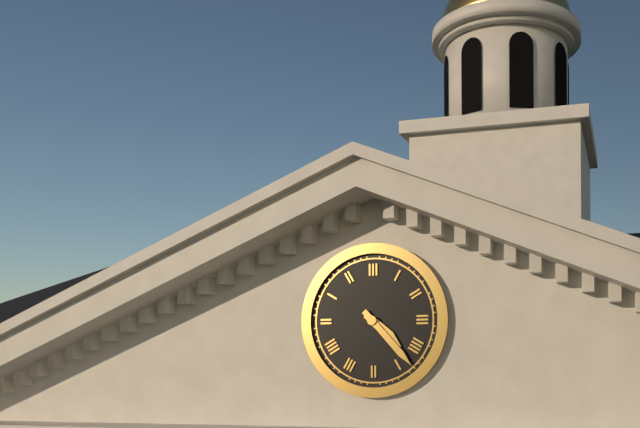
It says 4:23
